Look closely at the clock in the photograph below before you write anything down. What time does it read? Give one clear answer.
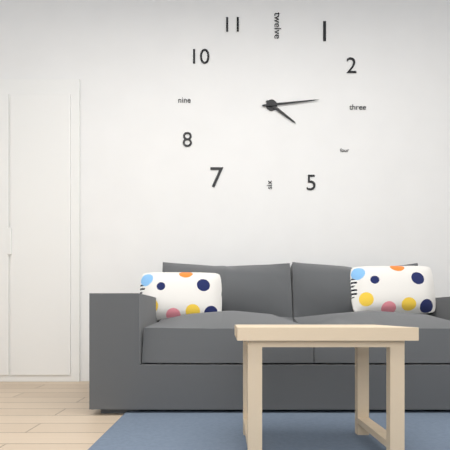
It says 4:14
